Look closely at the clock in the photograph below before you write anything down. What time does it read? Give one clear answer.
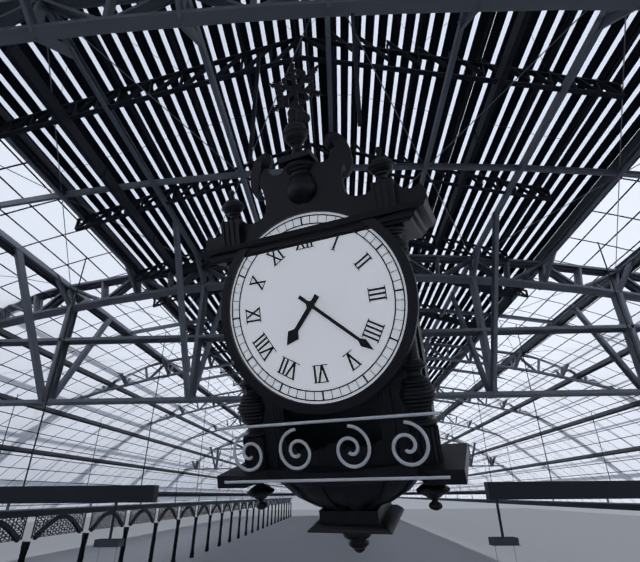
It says 7:22
